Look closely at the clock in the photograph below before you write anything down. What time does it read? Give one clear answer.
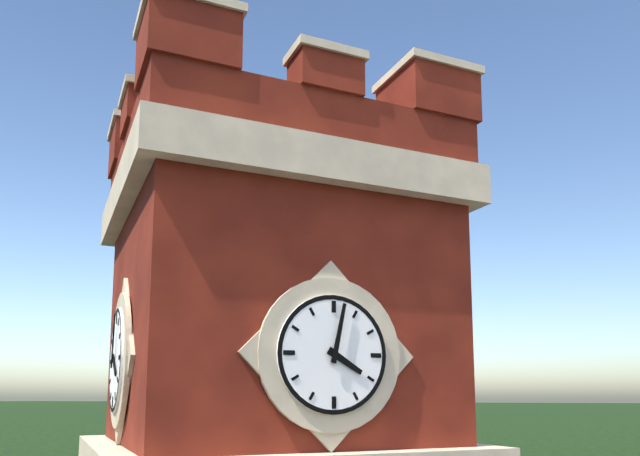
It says 4:02
